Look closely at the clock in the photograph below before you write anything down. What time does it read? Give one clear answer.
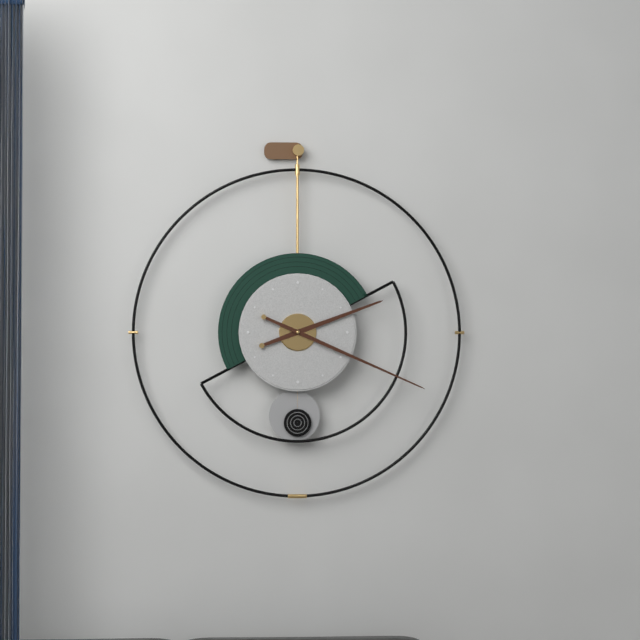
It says 2:19
